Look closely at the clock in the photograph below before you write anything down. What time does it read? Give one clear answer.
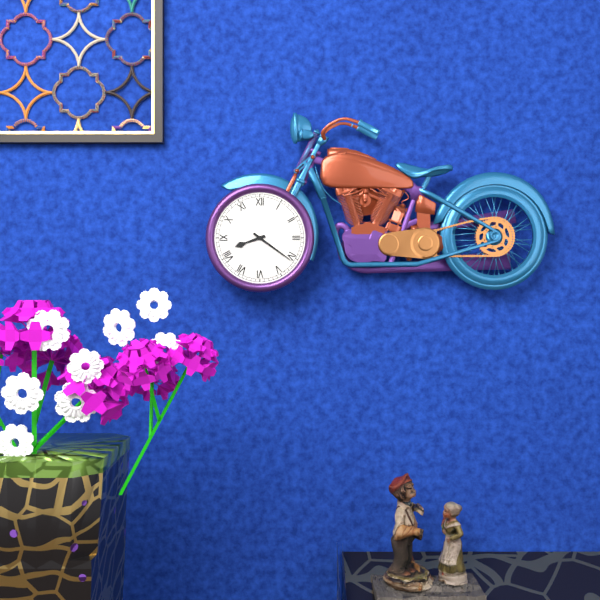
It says 8:21
